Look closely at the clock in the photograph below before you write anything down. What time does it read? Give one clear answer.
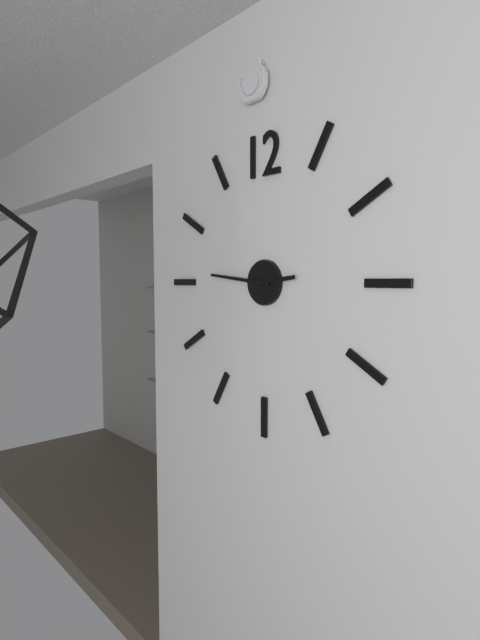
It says 2:46
